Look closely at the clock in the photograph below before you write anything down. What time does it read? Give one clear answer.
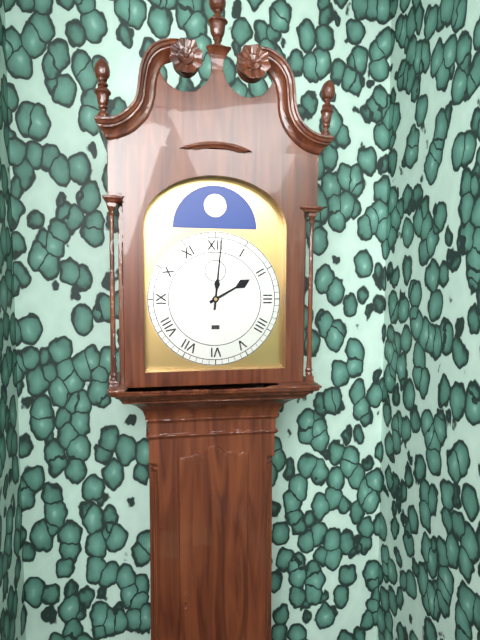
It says 2:01
